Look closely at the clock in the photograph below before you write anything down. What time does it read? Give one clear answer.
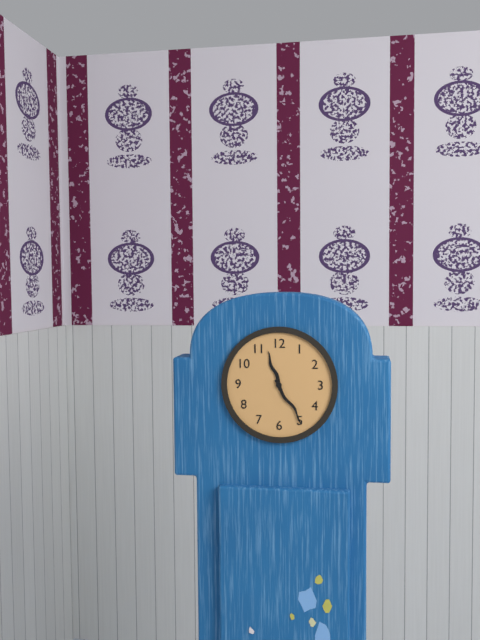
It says 11:25
